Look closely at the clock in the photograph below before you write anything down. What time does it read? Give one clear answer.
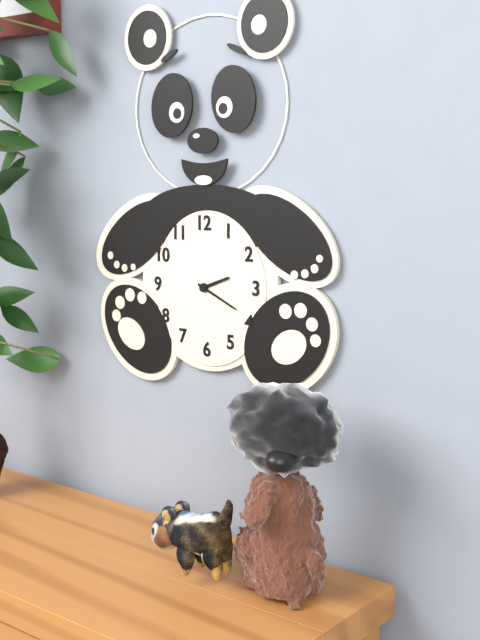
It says 2:19
